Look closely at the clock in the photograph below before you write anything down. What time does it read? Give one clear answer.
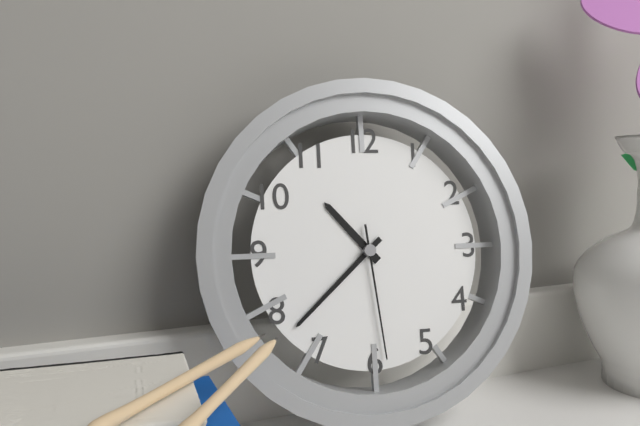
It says 10:38:29
